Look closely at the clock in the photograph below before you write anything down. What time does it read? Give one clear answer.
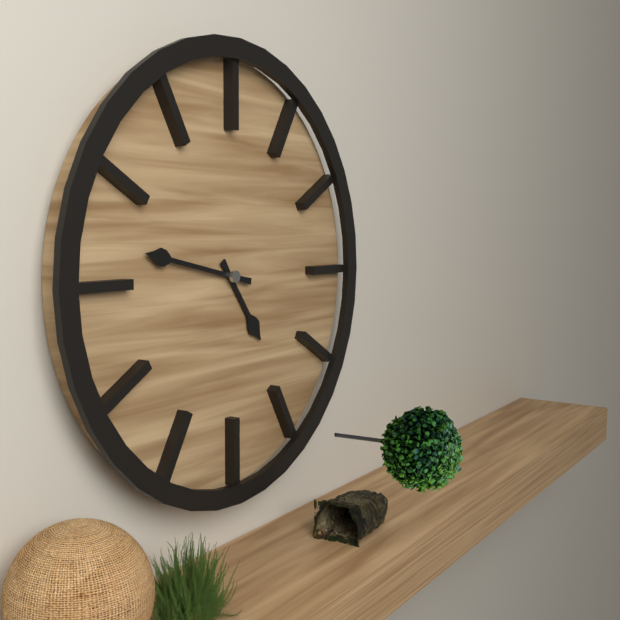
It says 4:47
